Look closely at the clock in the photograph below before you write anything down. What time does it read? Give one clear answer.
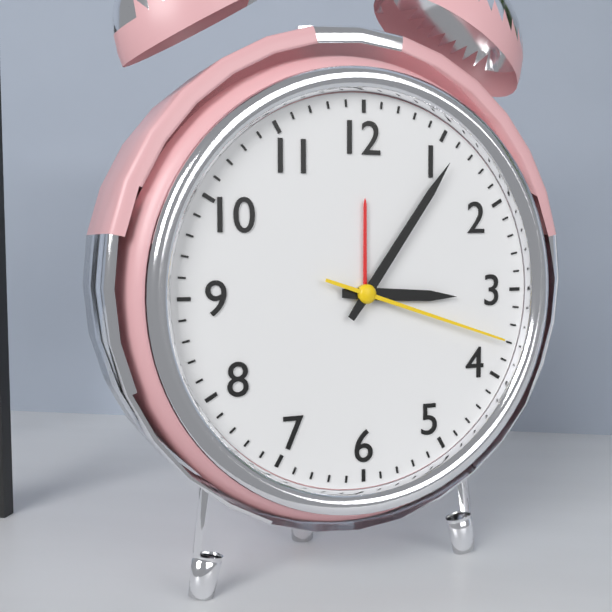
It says 3:06:18
